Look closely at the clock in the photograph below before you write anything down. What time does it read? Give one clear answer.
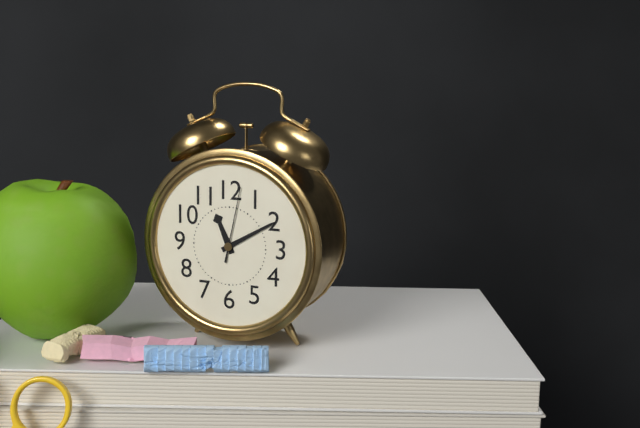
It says 11:10:02
